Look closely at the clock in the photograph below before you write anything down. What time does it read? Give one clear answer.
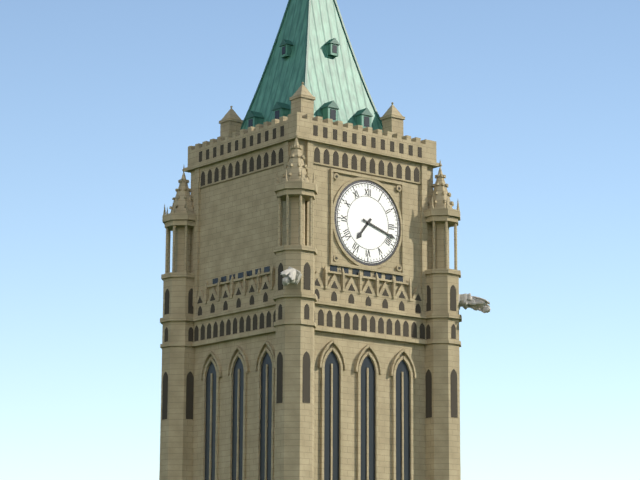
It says 7:18
